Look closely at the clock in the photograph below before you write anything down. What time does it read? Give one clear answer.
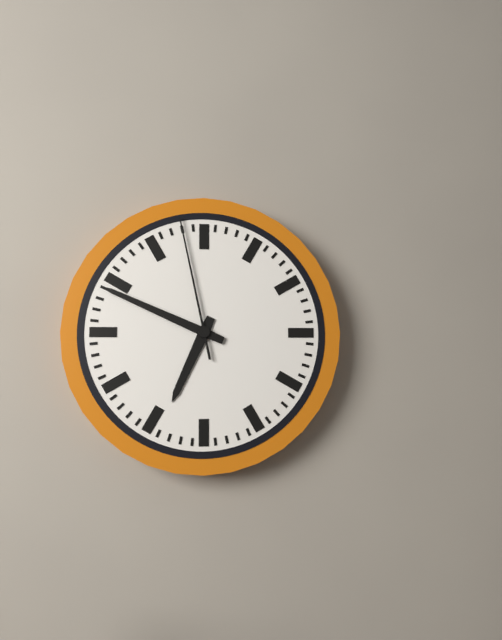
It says 6:49:58
